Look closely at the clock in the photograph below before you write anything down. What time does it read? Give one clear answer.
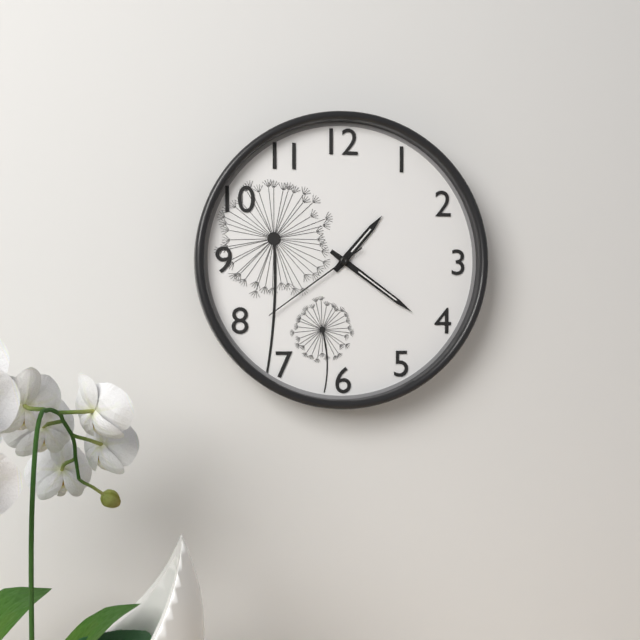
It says 1:21:39
